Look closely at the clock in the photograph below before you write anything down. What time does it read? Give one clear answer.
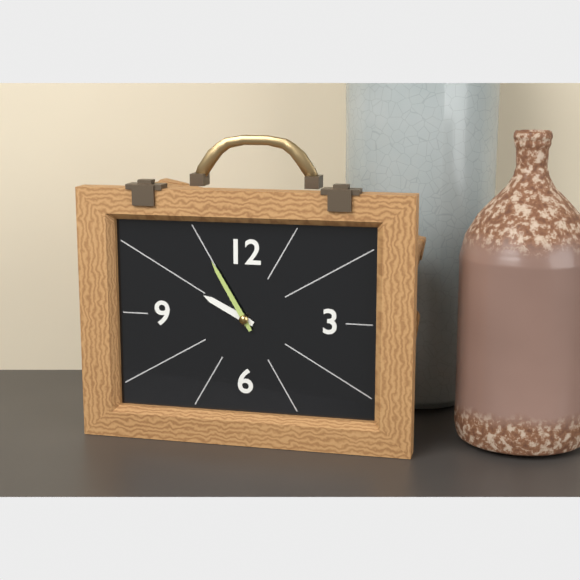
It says 9:55
